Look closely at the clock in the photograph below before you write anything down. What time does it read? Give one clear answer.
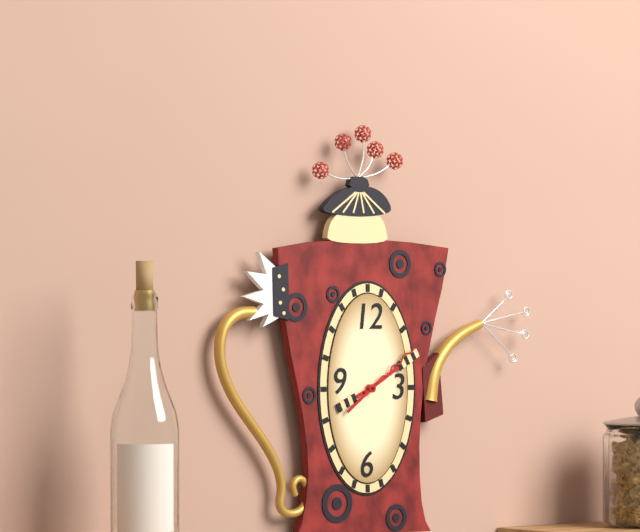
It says 8:10:09
